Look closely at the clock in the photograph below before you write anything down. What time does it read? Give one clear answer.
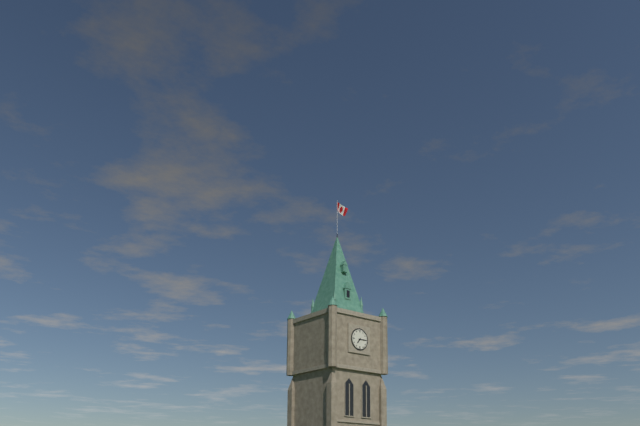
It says 7:15
